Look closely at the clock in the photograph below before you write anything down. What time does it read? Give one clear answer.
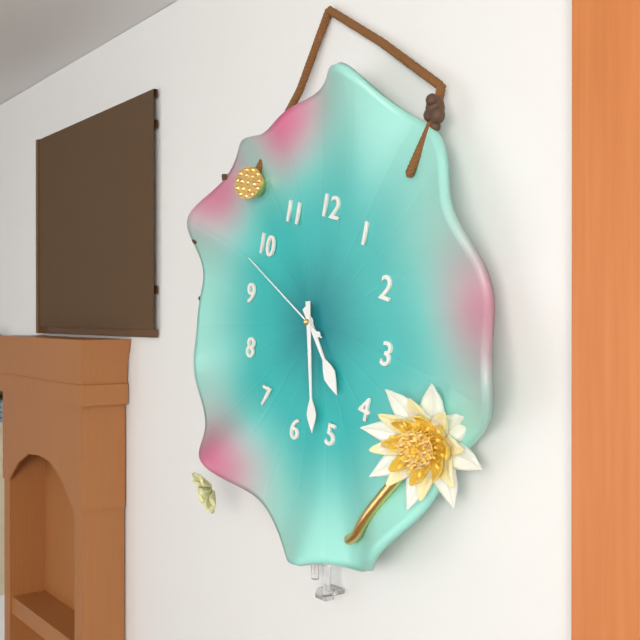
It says 4:27:48
